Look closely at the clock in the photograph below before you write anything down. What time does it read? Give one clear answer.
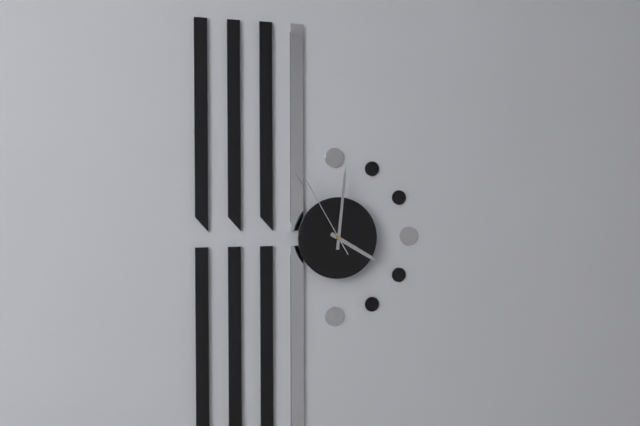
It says 4:01:55
